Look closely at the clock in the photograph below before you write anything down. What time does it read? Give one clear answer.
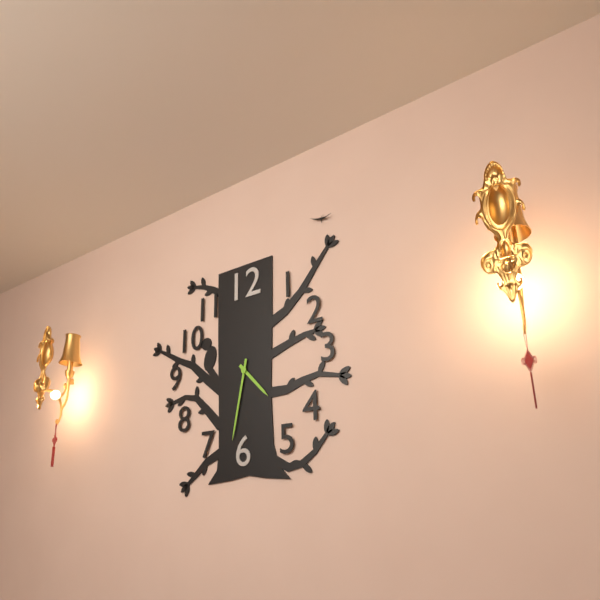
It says 4:32
